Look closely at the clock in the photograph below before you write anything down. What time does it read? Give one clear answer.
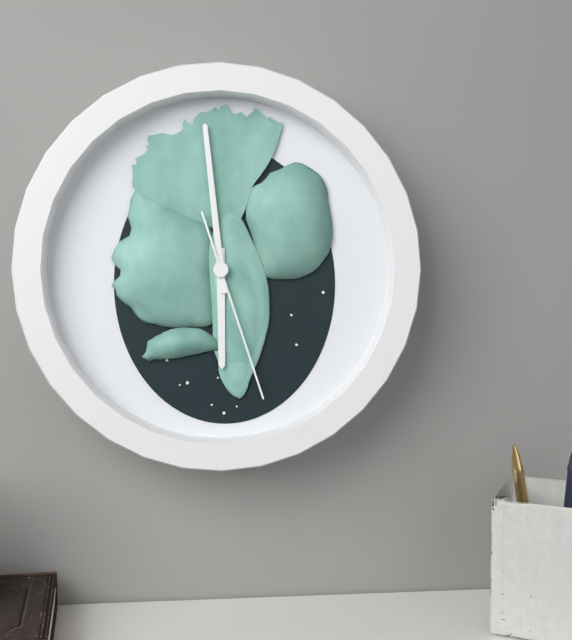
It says 5:59:27
